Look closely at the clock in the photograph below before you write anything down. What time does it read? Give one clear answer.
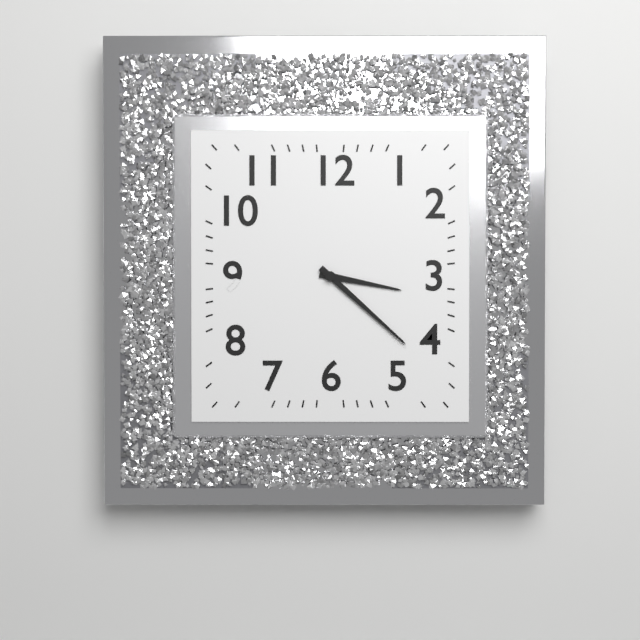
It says 3:22
